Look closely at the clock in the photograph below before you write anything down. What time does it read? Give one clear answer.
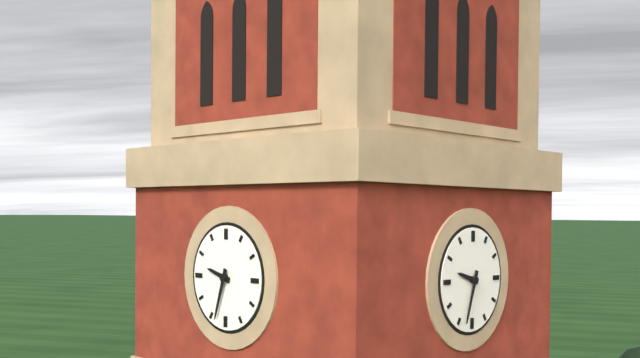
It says 9:33
